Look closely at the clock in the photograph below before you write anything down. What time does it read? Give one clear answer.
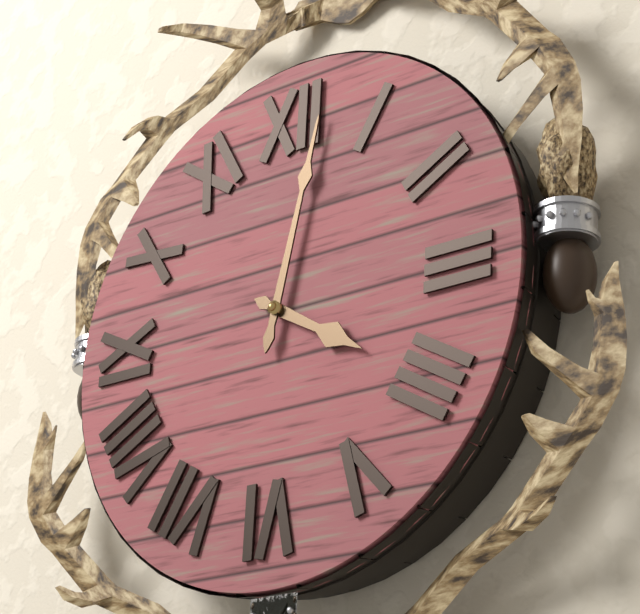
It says 4:02
